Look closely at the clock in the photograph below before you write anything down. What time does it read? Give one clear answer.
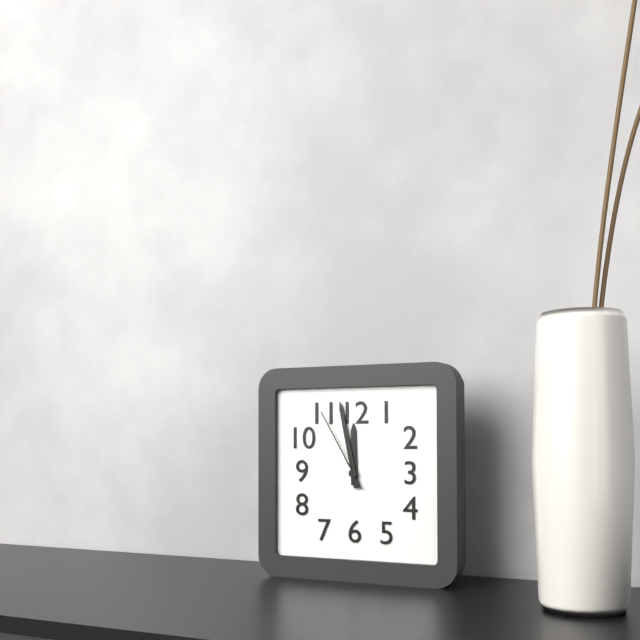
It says 11:58:55
